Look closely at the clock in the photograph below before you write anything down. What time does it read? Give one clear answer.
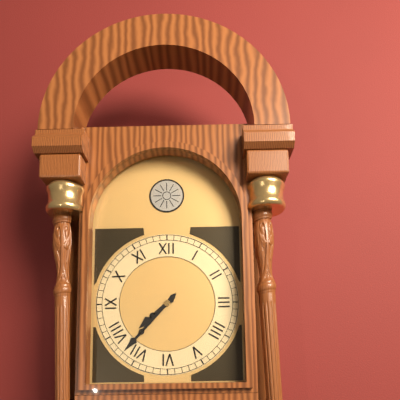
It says 7:37
